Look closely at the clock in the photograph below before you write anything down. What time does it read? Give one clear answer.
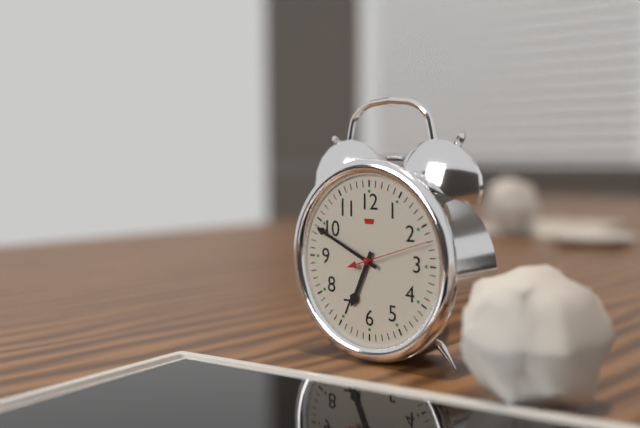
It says 6:49:12
